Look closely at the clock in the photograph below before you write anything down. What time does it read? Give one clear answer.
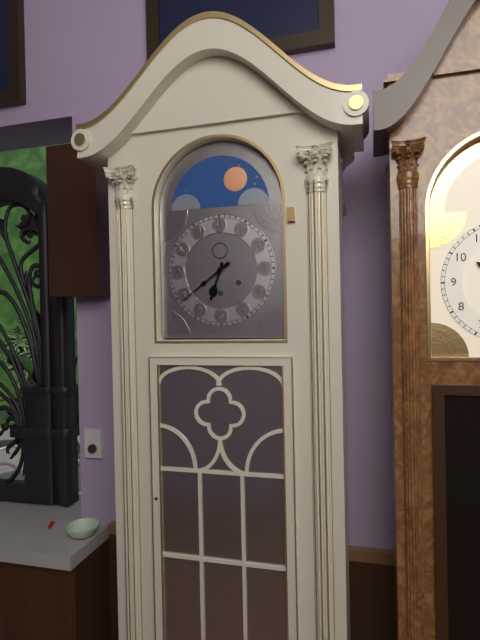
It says 6:39
